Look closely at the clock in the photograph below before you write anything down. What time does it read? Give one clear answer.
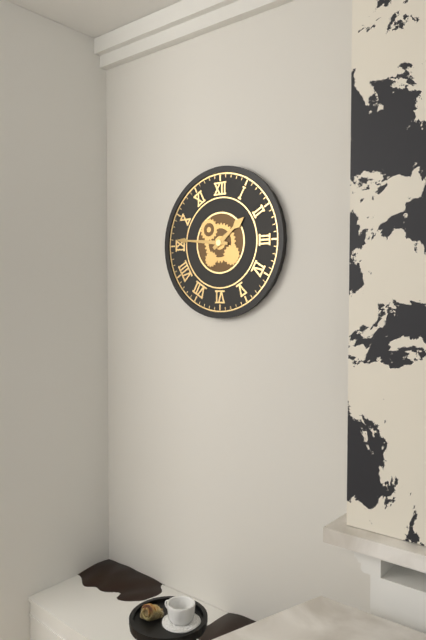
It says 1:46
